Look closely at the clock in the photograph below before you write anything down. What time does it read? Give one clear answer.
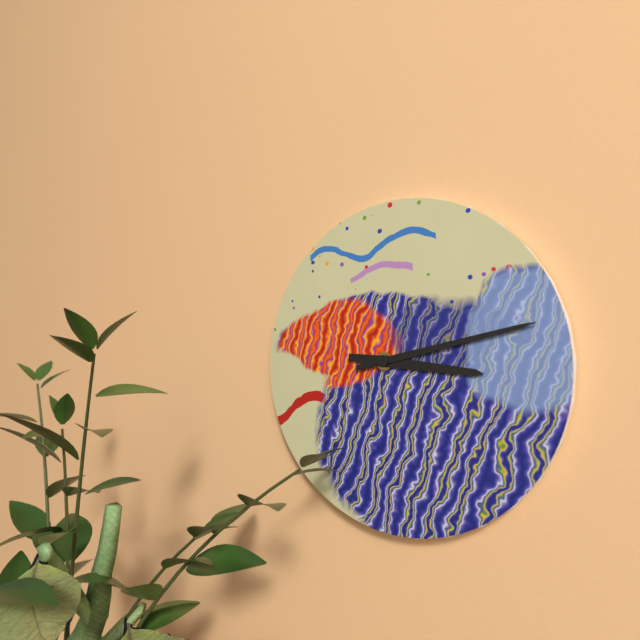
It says 3:13
